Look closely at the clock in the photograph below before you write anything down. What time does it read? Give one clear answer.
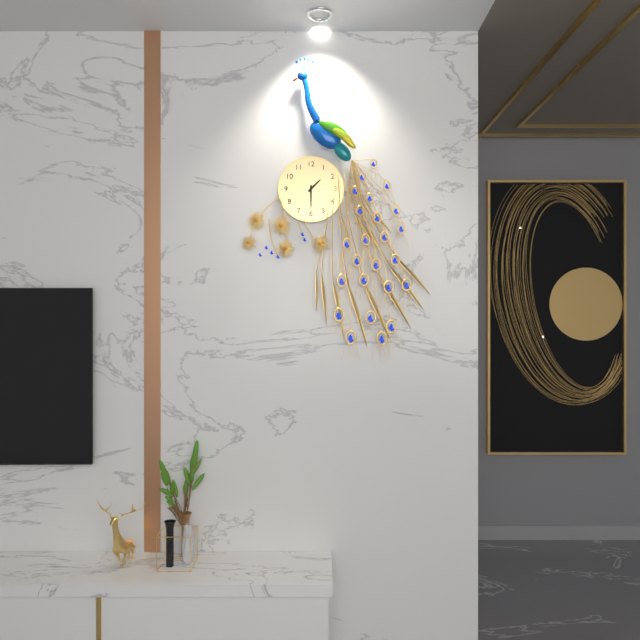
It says 1:30
